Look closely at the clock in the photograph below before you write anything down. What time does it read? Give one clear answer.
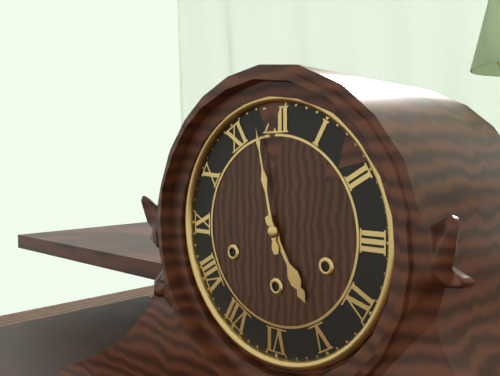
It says 4:58
